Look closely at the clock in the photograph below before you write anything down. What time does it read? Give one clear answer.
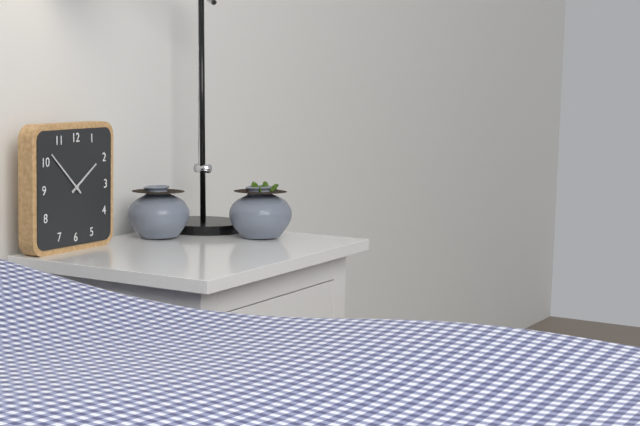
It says 1:52
